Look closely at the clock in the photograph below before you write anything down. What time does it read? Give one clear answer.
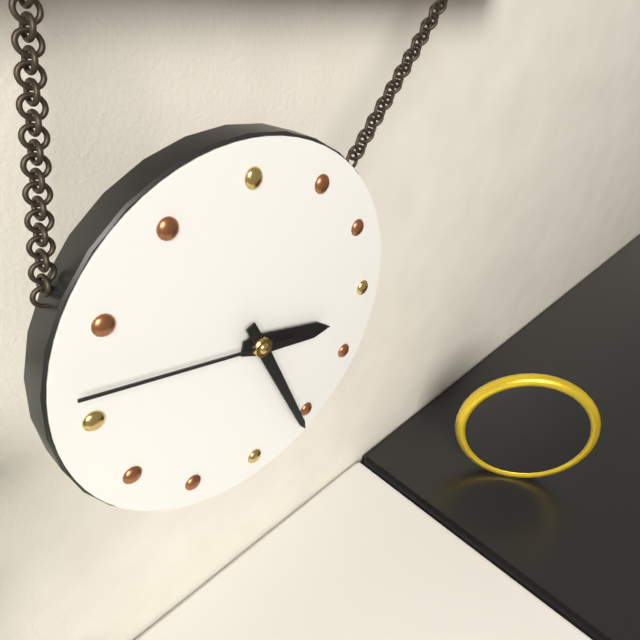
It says 3:26:47
